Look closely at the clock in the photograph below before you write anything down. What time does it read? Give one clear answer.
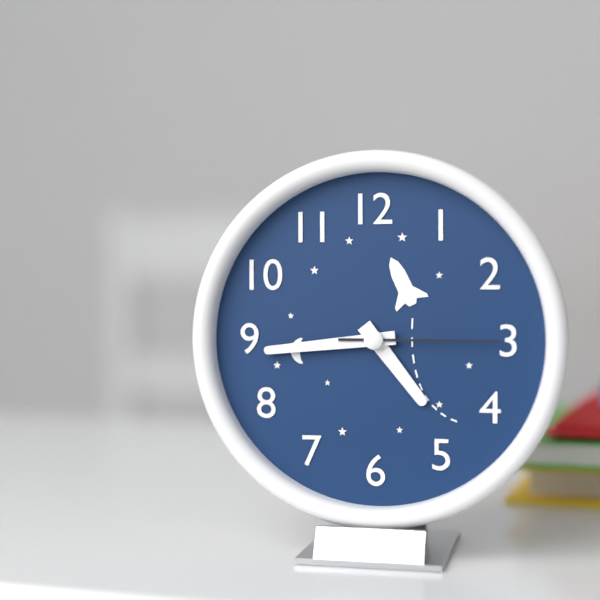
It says 4:44:15
